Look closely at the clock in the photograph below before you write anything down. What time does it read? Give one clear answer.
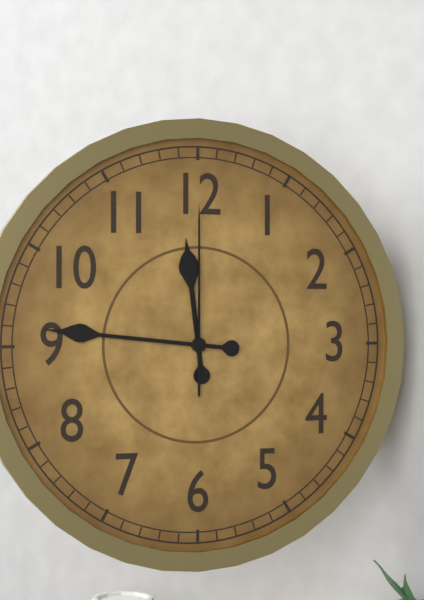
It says 11:46:00
